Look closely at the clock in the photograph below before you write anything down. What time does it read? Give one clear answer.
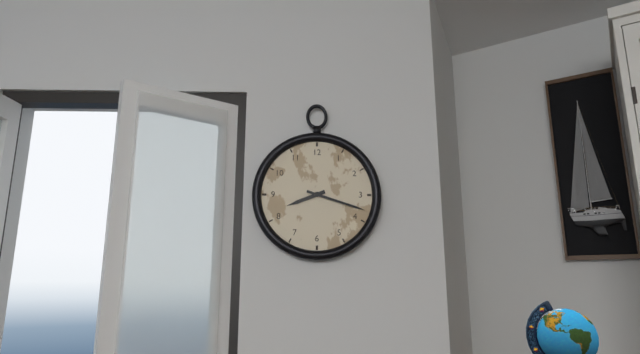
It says 8:18
